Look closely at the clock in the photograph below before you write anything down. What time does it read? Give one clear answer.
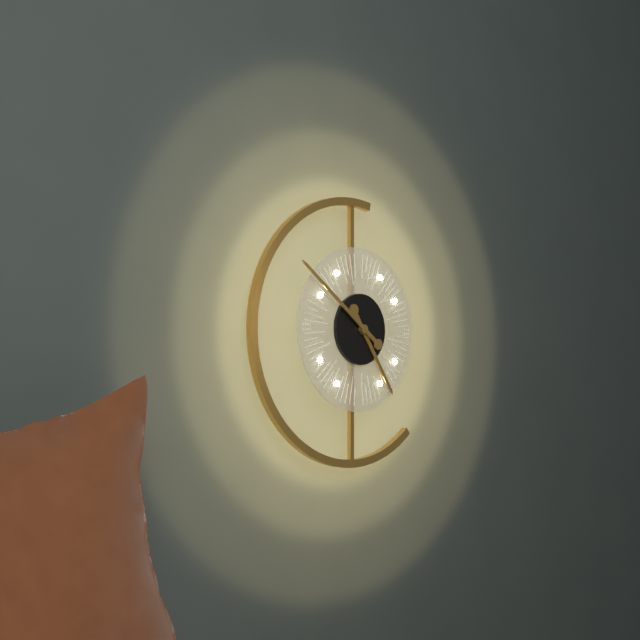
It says 4:51
